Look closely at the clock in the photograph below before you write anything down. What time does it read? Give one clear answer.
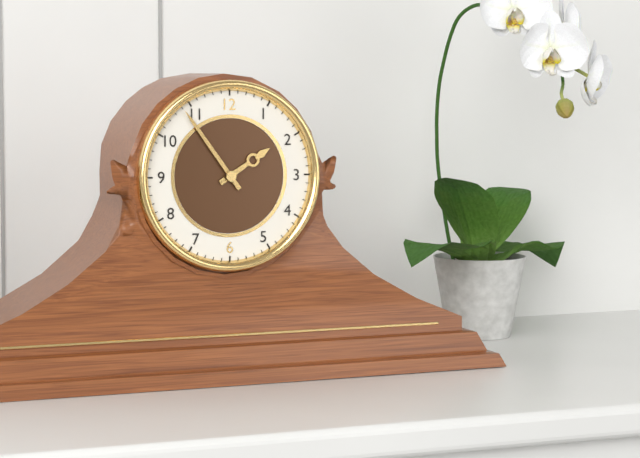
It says 1:54
